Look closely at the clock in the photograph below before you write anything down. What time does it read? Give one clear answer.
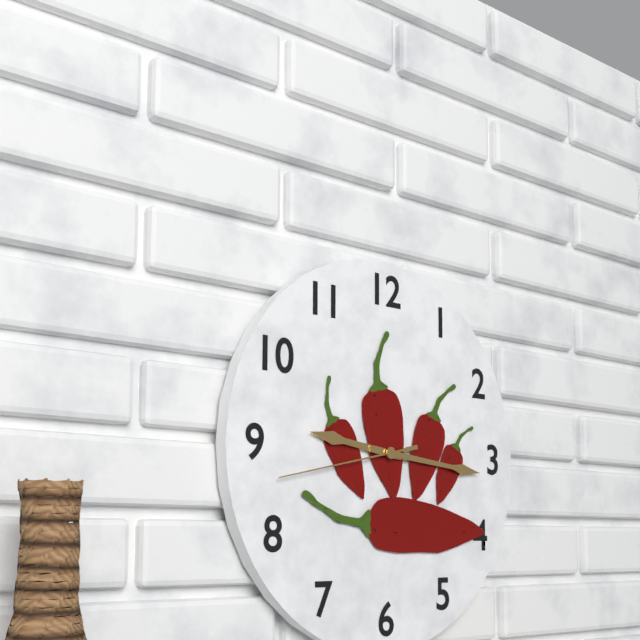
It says 9:16:43
